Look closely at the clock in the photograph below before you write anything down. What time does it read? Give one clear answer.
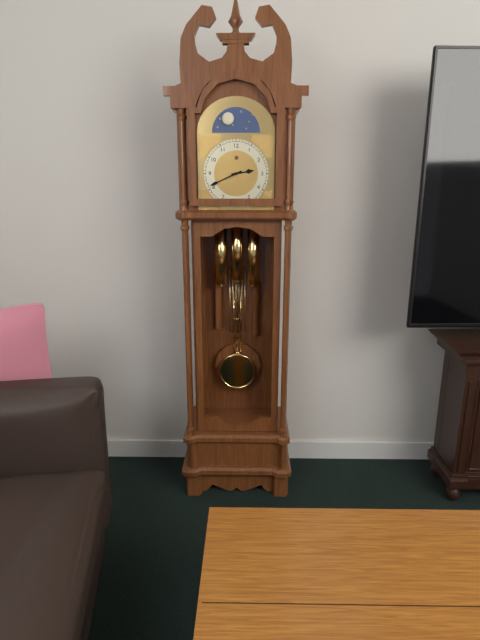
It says 2:41
